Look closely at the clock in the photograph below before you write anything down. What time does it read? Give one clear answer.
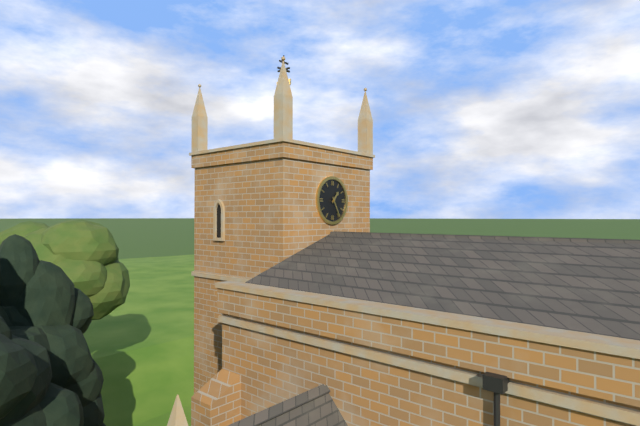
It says 1:25
